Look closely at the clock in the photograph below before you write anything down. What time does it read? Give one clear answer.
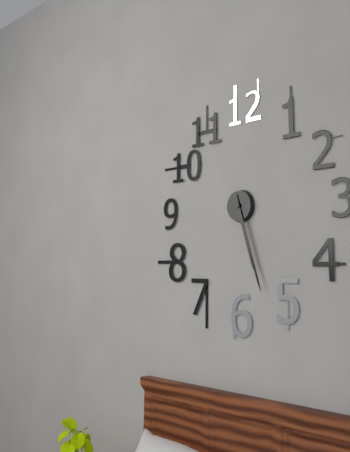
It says 5:27
